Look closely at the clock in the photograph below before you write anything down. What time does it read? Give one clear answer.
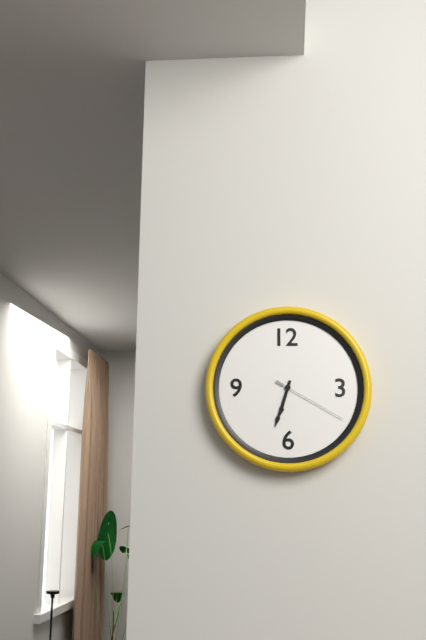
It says 6:33:20
